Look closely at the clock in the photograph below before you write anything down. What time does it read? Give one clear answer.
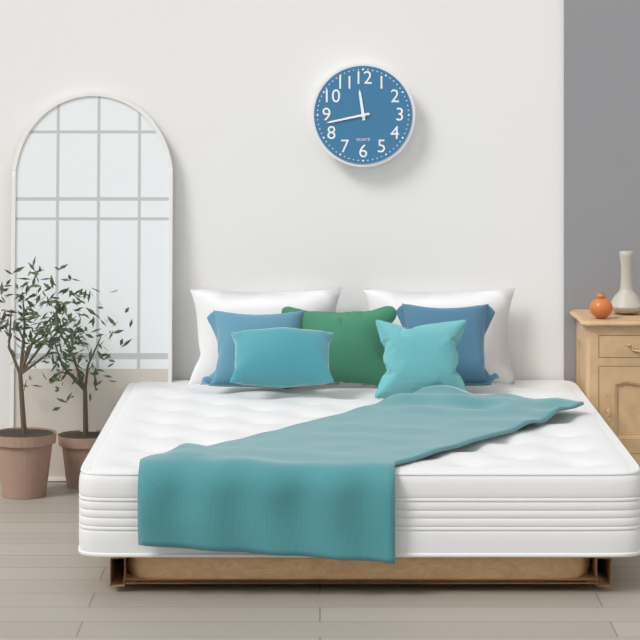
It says 11:43
